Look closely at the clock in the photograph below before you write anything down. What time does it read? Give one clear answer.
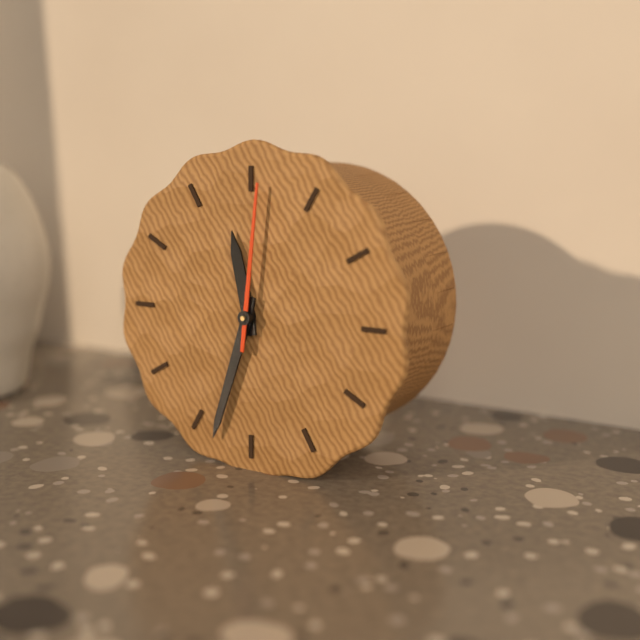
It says 11:33:01
